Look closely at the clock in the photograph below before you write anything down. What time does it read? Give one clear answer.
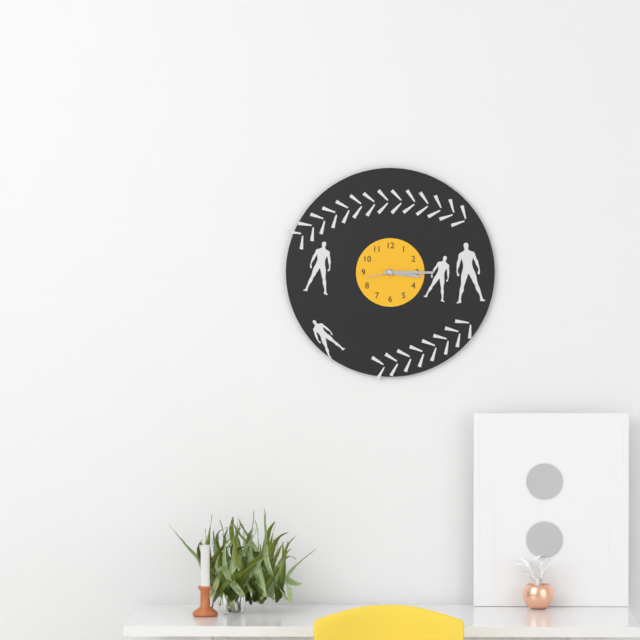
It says 3:15
